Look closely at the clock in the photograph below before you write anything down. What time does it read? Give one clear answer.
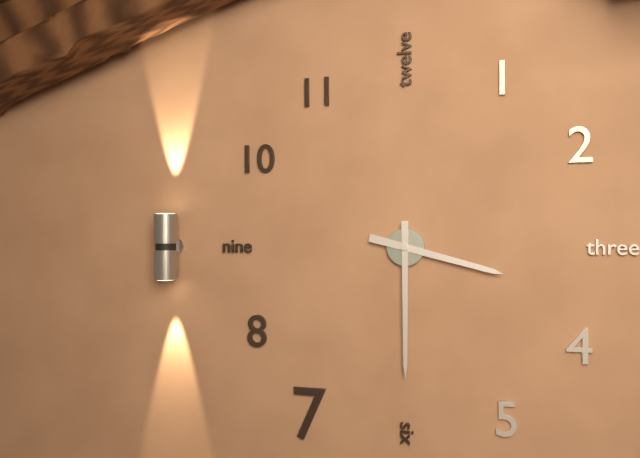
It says 3:30
